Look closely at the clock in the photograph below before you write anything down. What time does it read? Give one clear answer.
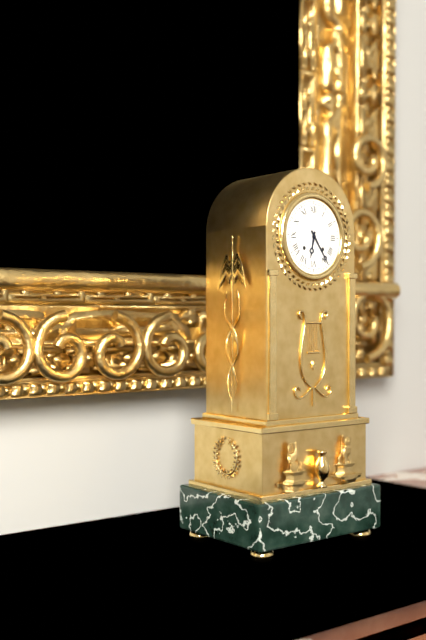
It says 6:24
